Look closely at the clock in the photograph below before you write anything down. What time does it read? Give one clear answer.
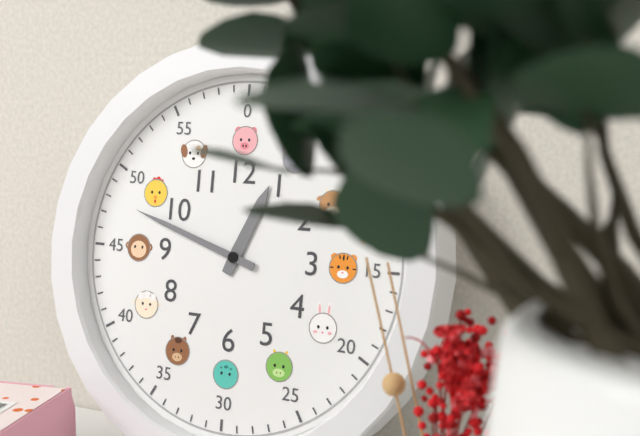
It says 12:48
